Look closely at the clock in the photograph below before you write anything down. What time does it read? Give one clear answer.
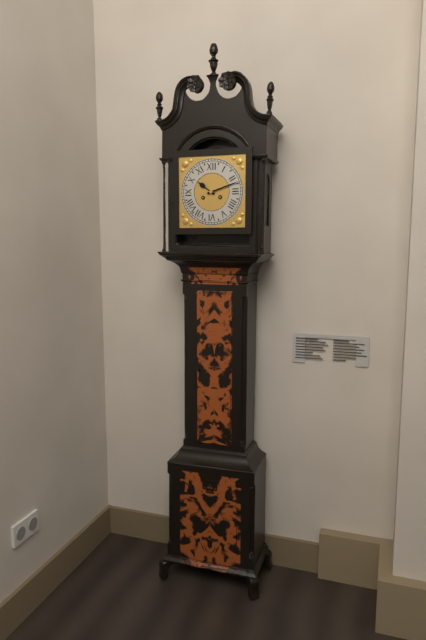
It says 10:12
